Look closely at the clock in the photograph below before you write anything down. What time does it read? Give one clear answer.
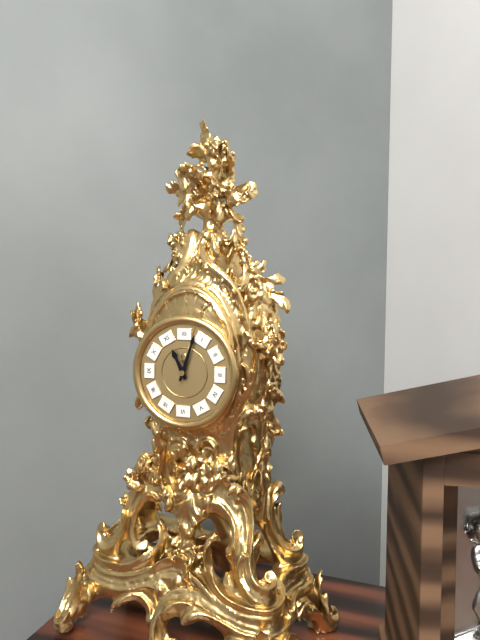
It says 11:03
